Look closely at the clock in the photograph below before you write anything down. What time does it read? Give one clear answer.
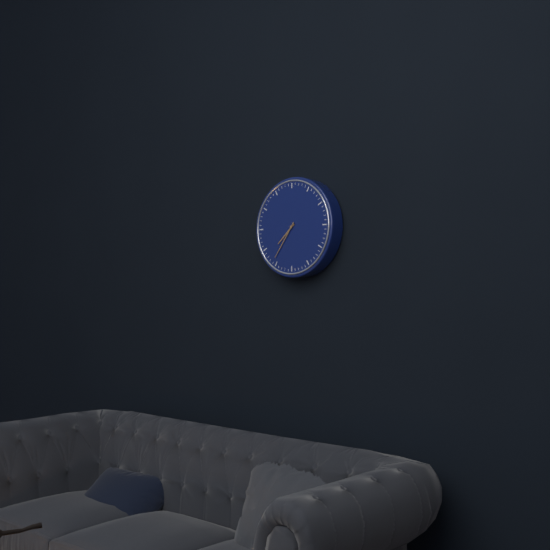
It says 7:36
